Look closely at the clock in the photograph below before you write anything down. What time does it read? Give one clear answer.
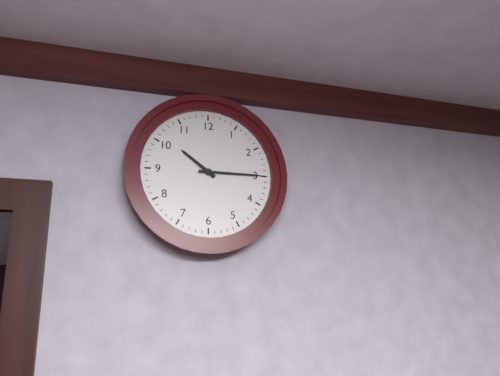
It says 10:15
